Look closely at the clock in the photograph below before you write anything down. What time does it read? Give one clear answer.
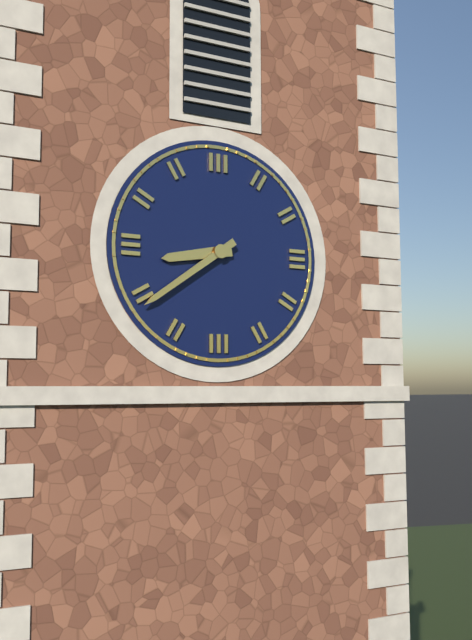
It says 8:39
